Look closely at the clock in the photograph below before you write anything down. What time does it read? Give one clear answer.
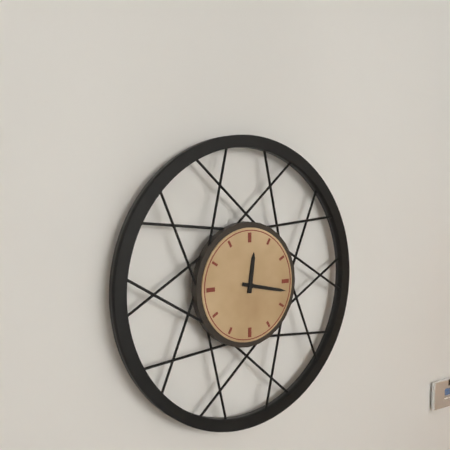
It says 12:17
